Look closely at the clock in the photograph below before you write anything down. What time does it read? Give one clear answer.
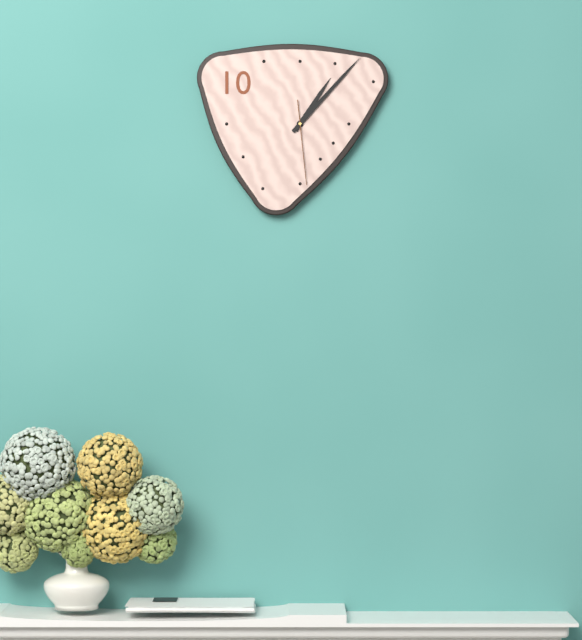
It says 1:07:29
